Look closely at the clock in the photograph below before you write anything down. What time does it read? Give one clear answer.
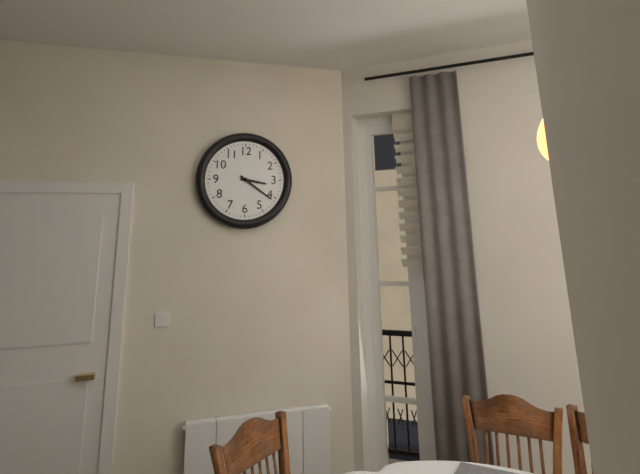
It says 3:21
